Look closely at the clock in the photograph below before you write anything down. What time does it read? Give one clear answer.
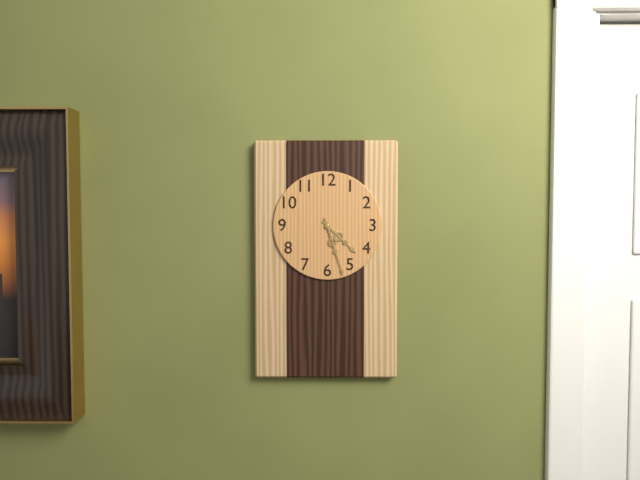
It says 4:27
